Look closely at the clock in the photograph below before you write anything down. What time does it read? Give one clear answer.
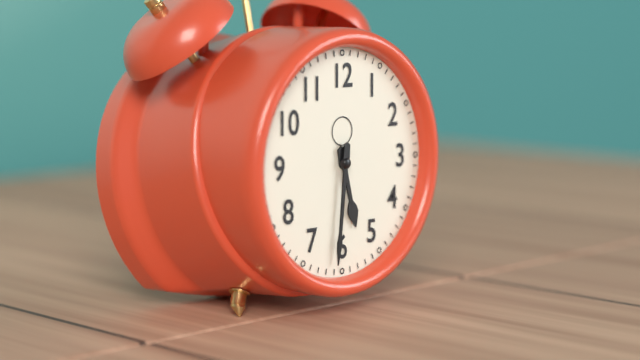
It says 5:31
